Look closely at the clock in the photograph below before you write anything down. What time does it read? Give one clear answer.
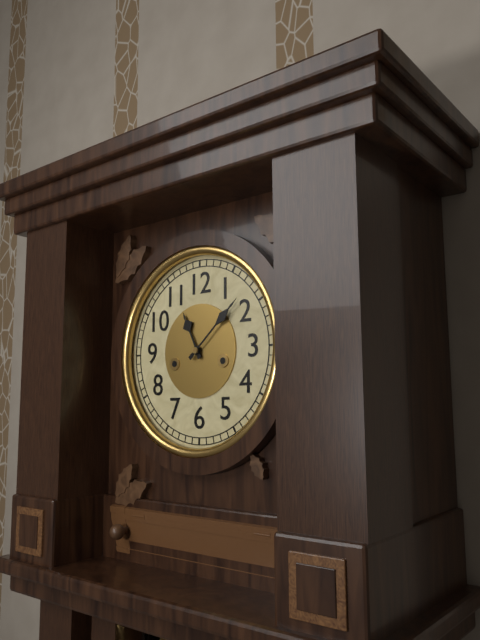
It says 11:08
